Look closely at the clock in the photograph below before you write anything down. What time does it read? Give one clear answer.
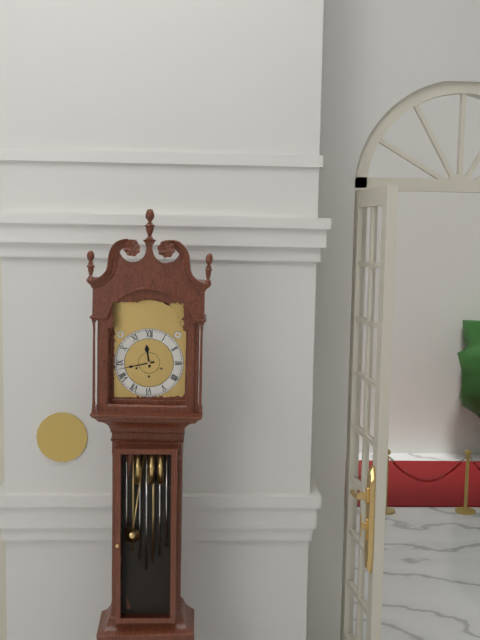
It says 11:43
